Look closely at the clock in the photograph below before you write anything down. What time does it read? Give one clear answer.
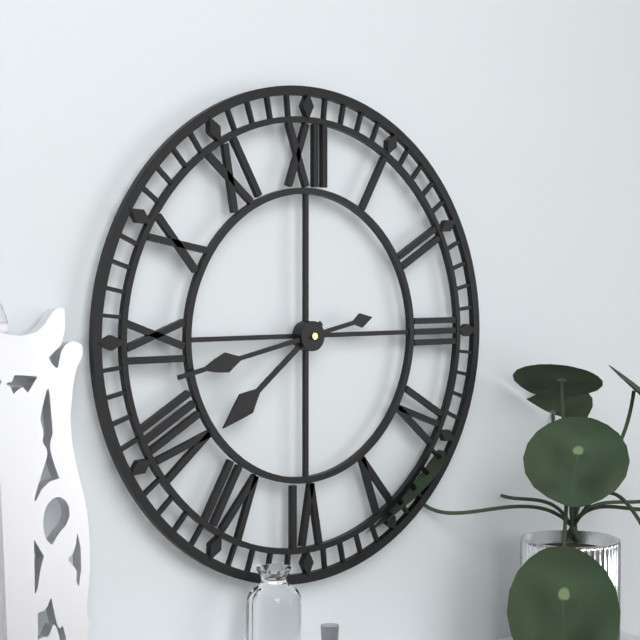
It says 7:43
